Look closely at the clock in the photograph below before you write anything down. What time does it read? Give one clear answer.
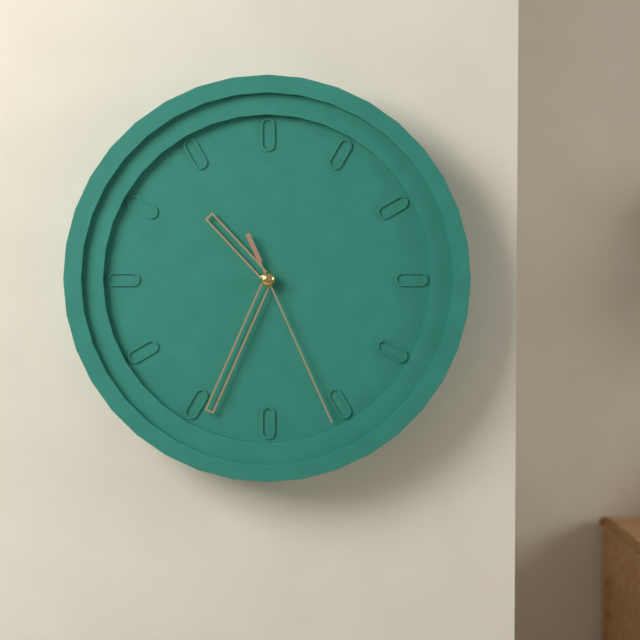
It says 10:34:26
